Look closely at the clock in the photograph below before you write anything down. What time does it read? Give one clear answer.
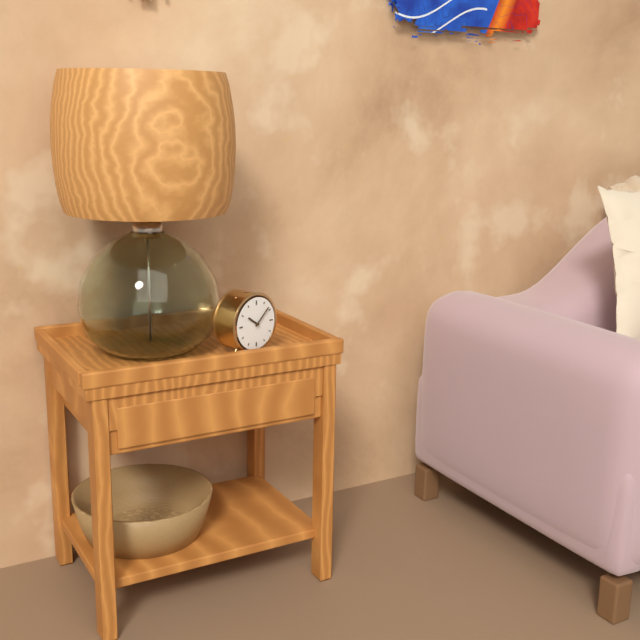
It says 10:08
